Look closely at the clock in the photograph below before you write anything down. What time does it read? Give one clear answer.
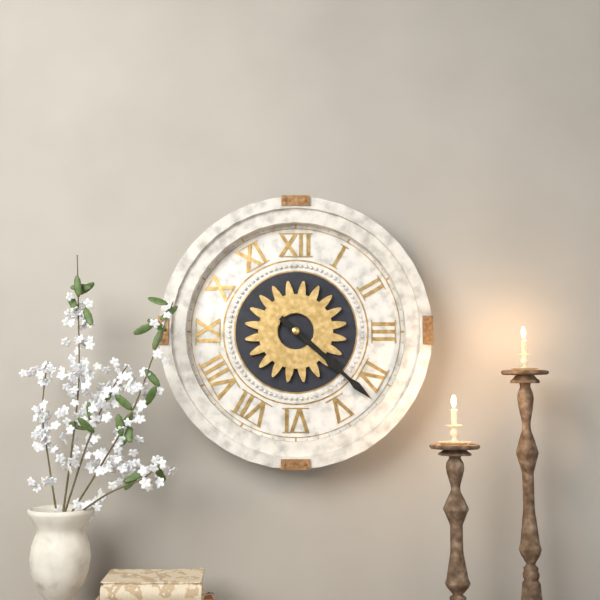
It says 4:22
